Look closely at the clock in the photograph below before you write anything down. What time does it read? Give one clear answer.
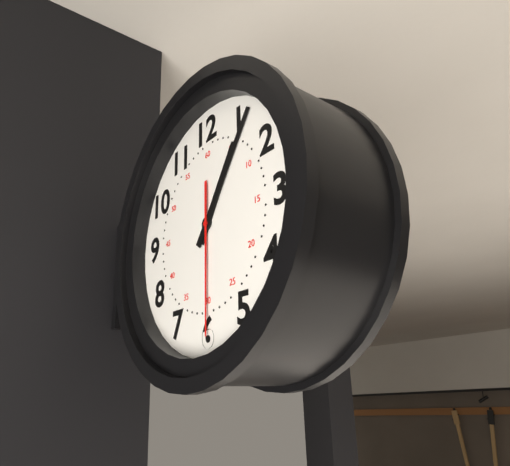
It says 1:06:30
